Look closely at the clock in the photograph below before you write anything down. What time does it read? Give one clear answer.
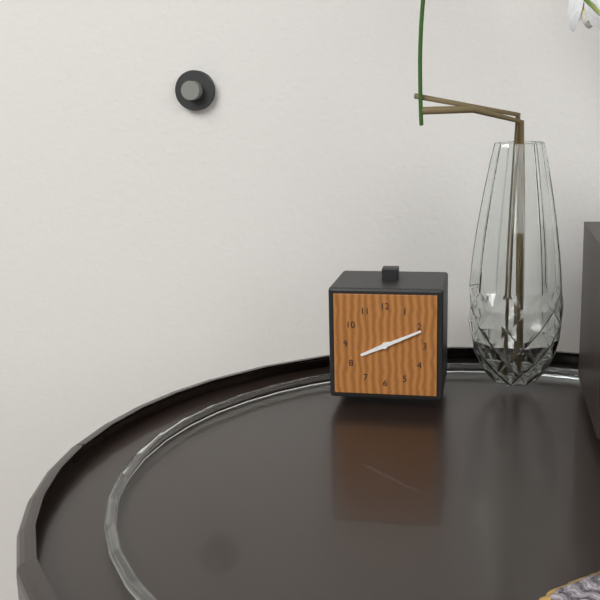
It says 8:11
